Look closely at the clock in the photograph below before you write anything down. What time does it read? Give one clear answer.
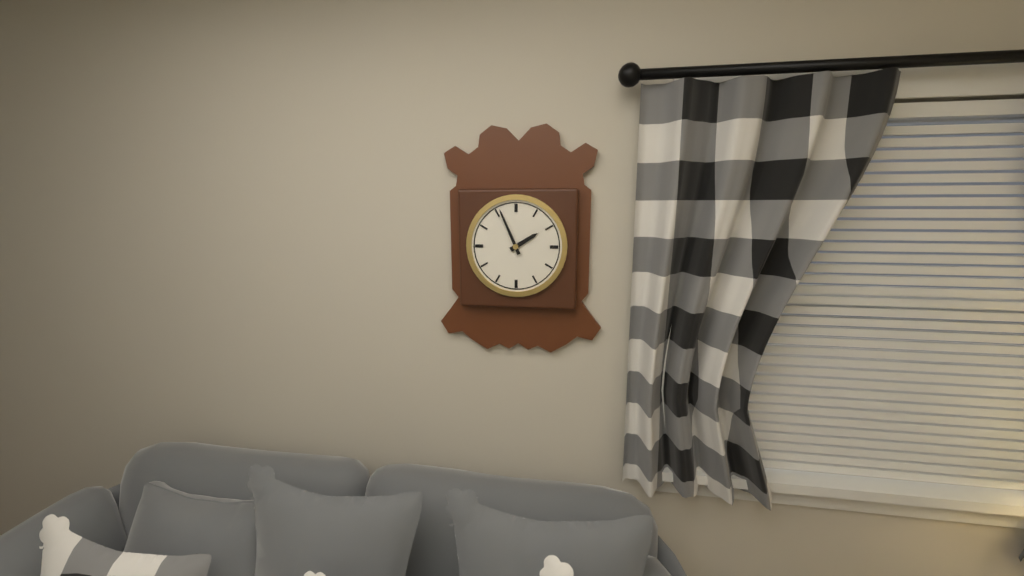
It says 1:56
